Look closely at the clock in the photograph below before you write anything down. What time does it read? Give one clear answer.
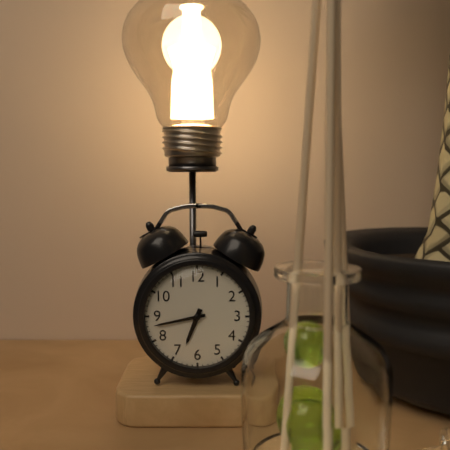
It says 6:43
